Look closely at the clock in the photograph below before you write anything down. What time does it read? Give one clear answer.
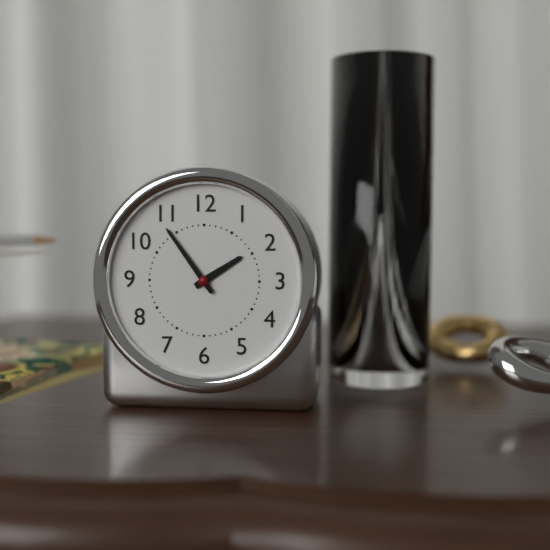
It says 1:54
